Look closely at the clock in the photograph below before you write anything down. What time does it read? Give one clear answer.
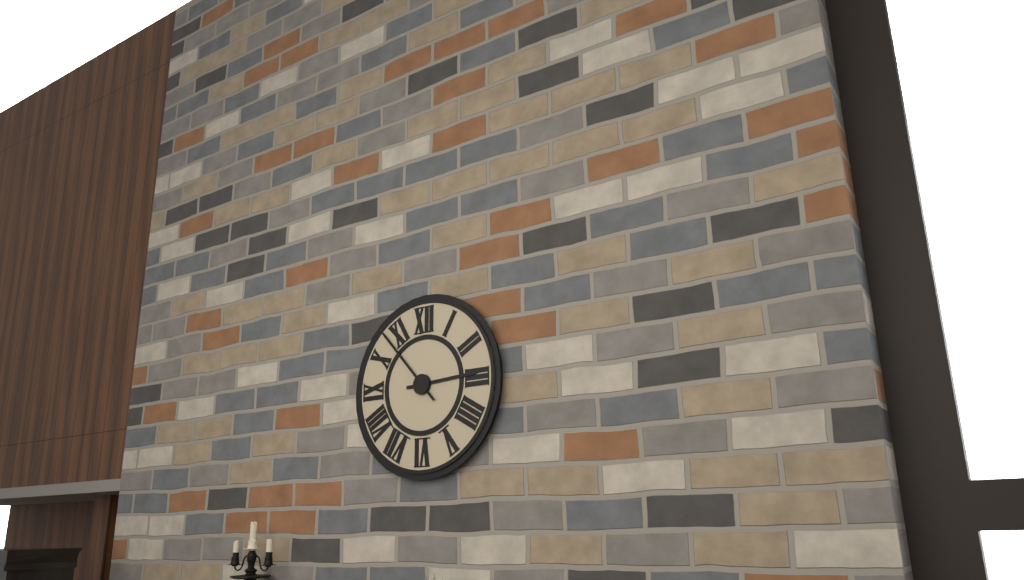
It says 2:53
